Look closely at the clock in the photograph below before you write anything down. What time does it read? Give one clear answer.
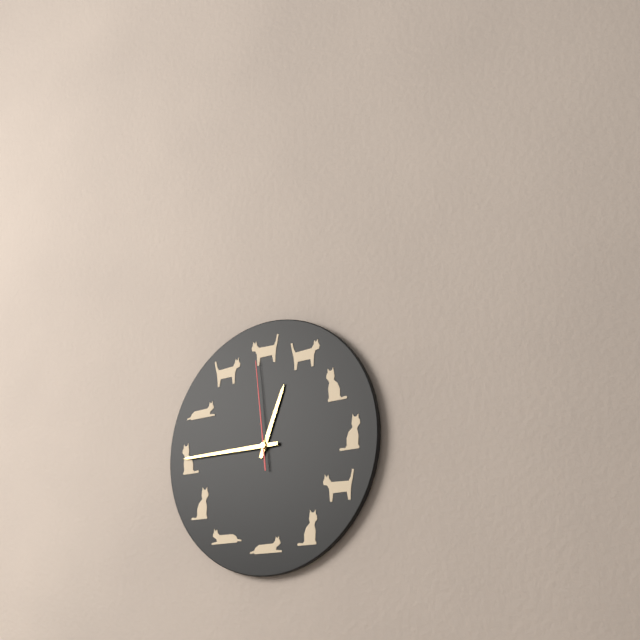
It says 12:45:59
